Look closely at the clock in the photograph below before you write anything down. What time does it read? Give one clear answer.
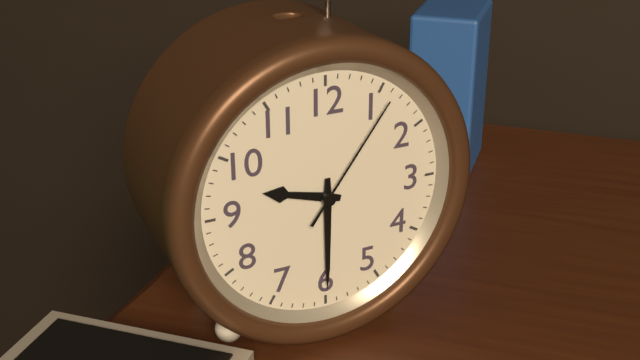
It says 9:30:06
